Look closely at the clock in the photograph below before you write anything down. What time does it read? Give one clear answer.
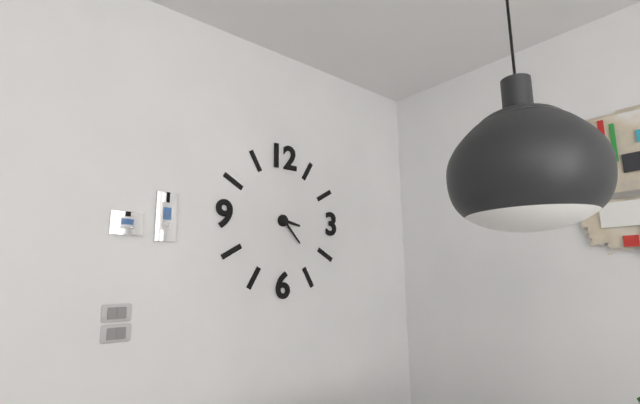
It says 3:23
